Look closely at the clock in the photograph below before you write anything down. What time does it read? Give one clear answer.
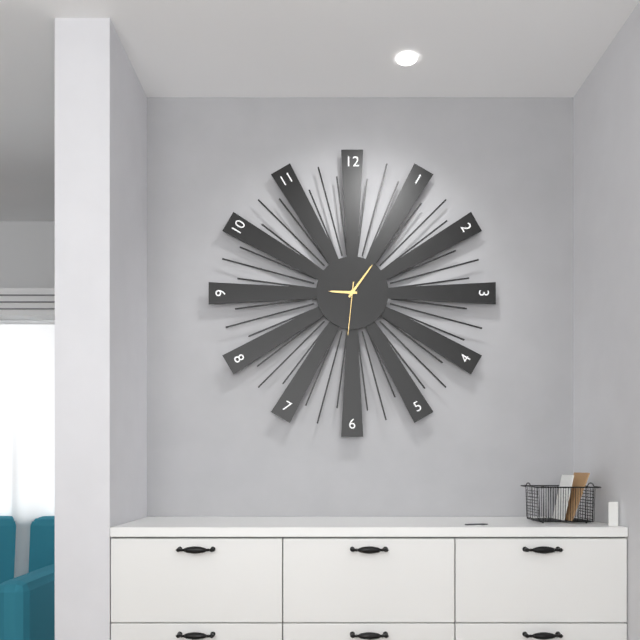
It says 9:06:31
